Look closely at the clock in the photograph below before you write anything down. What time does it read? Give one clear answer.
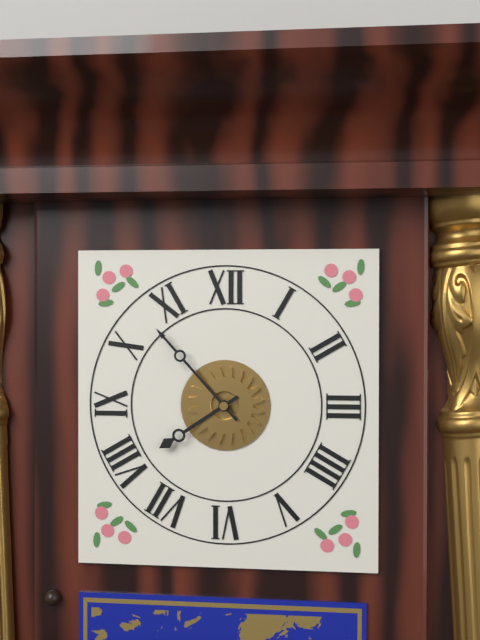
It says 7:53
